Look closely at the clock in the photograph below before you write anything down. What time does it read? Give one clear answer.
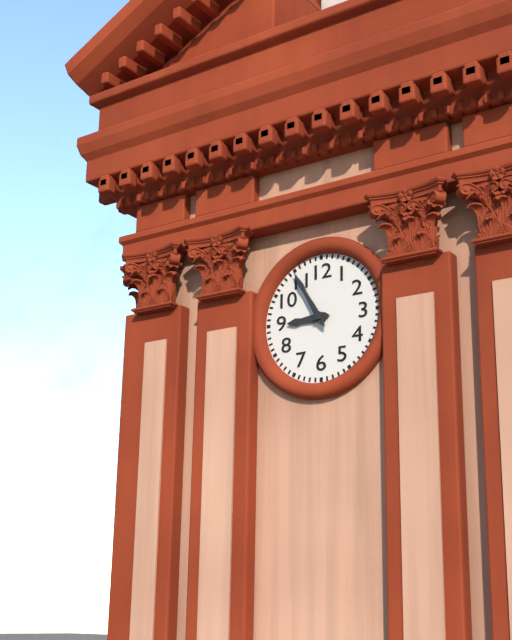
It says 8:55
